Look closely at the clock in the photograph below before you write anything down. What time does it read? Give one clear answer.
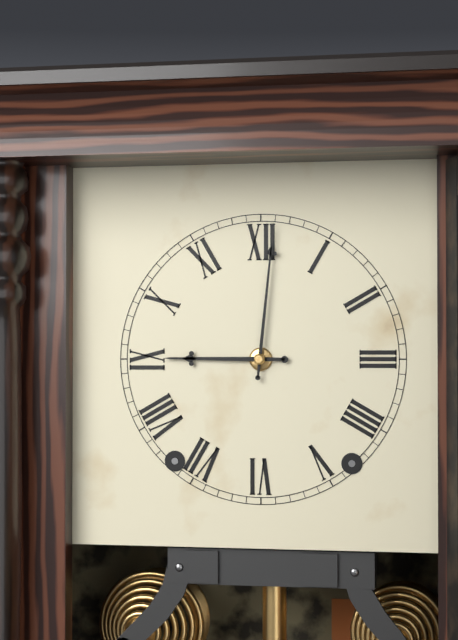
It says 9:01
